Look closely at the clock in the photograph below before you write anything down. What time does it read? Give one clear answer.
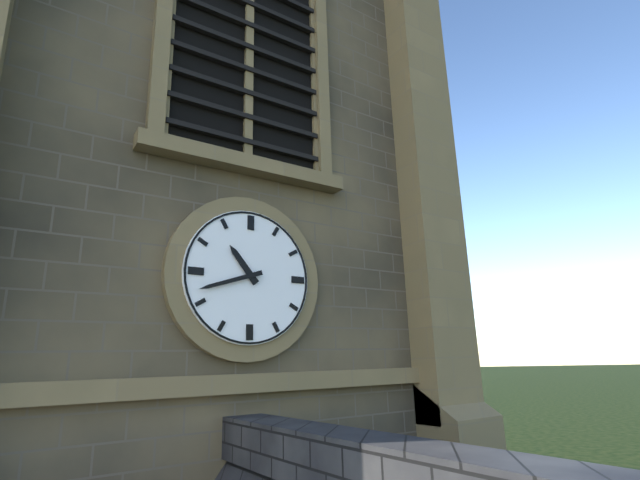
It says 10:42
